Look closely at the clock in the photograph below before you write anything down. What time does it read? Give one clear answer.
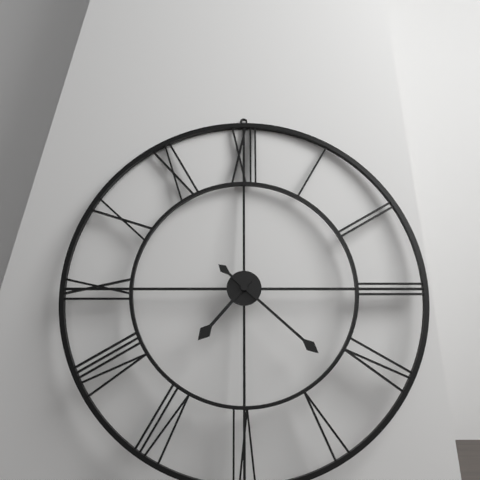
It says 7:22
